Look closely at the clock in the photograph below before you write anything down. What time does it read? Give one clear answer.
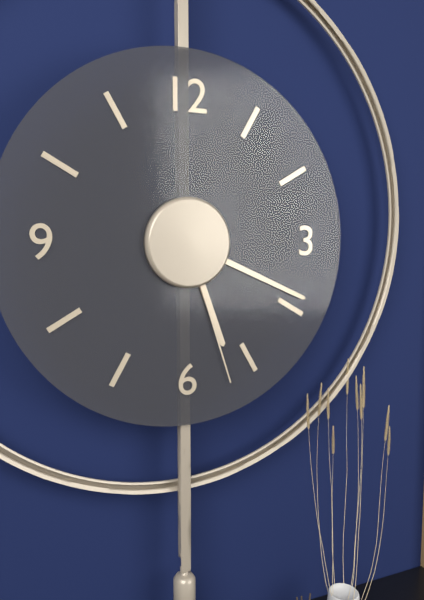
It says 5:19:27
